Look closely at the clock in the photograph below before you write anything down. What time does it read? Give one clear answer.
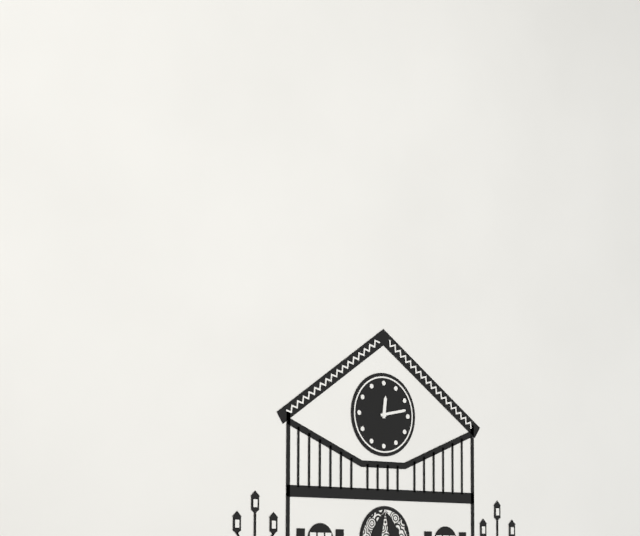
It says 12:13
